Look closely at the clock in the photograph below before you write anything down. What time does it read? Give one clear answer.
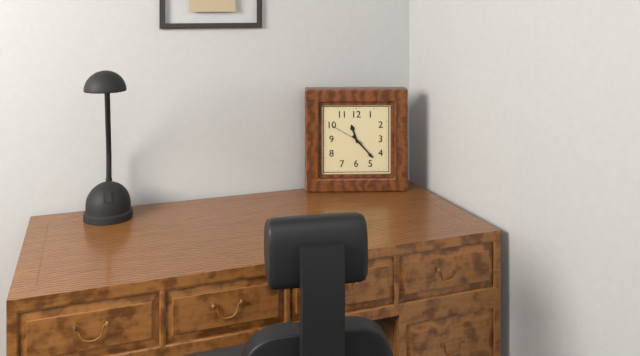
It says 11:23
